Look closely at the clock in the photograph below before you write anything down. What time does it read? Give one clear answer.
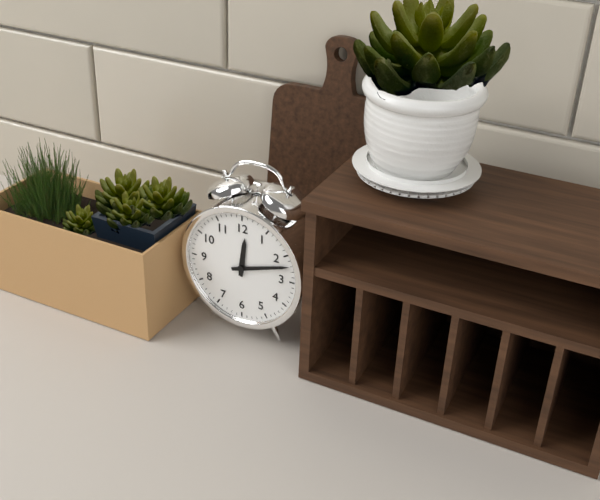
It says 12:12
